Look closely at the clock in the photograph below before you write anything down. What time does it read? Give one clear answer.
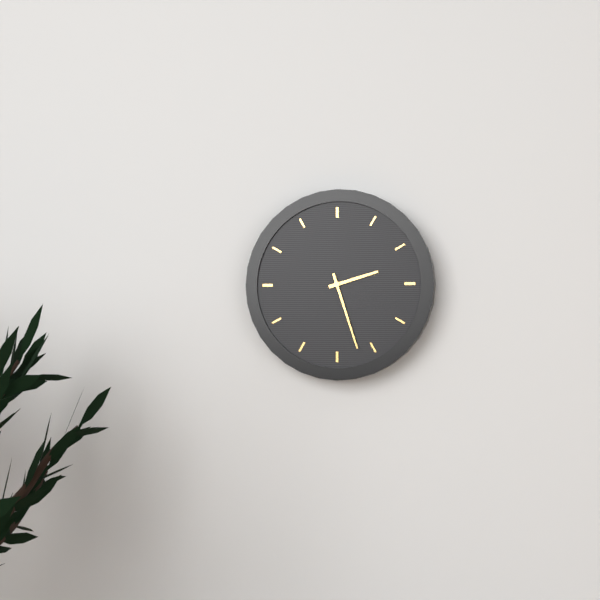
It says 2:27
